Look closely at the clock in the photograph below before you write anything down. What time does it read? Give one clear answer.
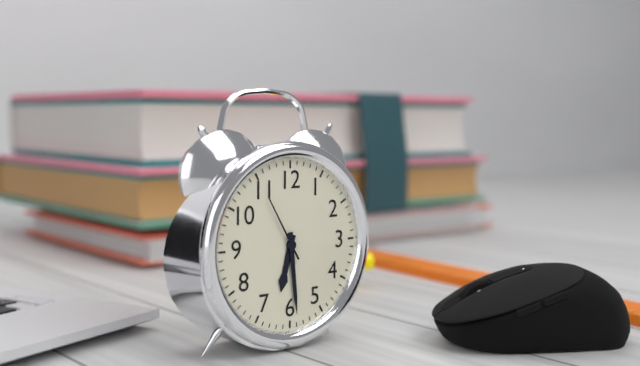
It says 6:29:55
